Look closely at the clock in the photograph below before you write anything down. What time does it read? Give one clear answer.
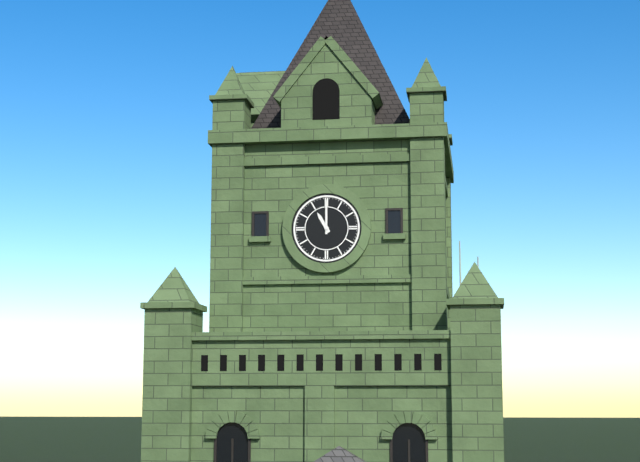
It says 11:00
